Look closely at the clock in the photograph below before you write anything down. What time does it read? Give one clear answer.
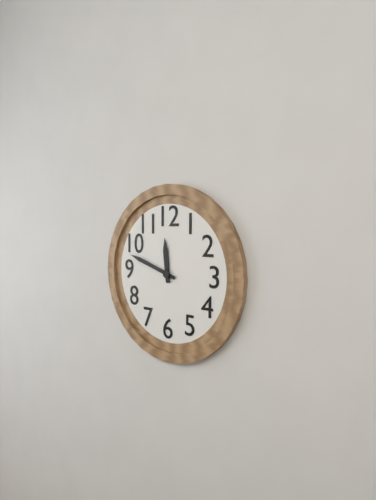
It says 11:48
